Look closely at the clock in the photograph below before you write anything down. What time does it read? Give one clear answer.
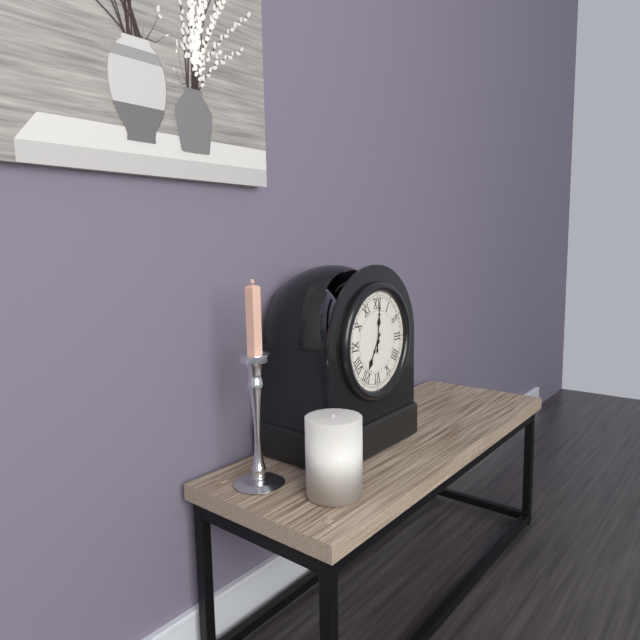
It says 7:01
